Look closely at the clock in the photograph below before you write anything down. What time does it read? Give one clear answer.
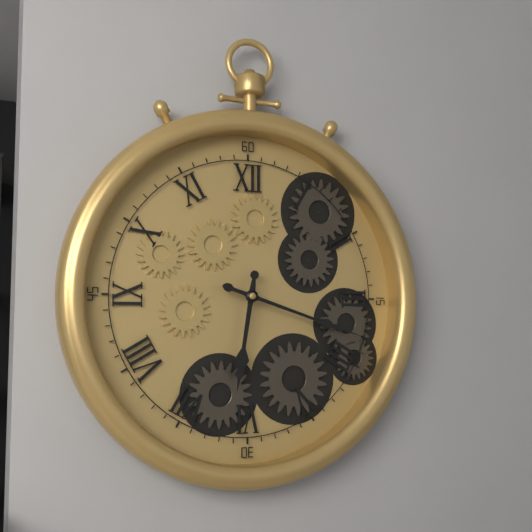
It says 6:18
